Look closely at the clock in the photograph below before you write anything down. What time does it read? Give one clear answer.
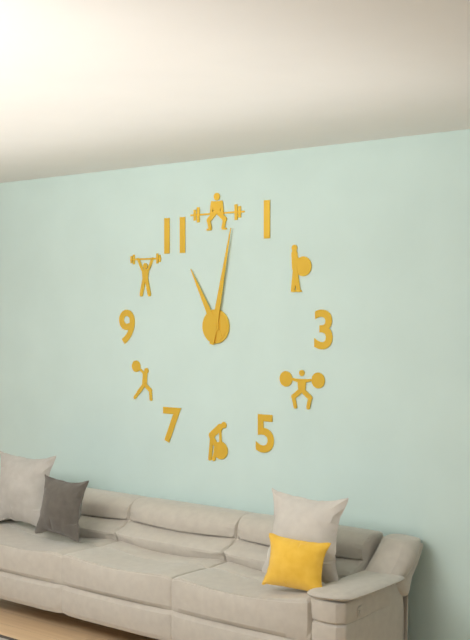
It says 11:02
